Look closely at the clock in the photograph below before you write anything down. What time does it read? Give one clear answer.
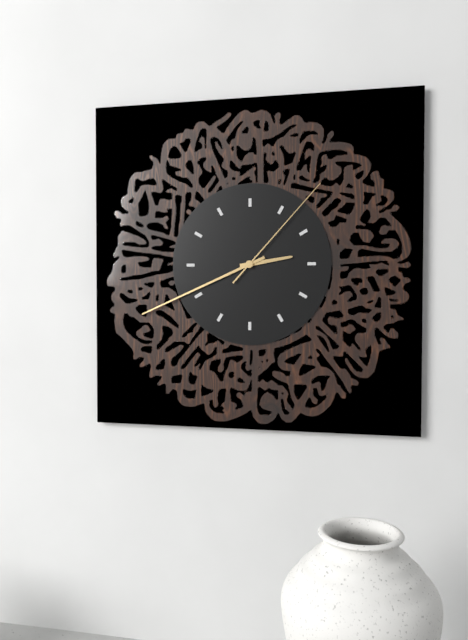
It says 2:41:07
